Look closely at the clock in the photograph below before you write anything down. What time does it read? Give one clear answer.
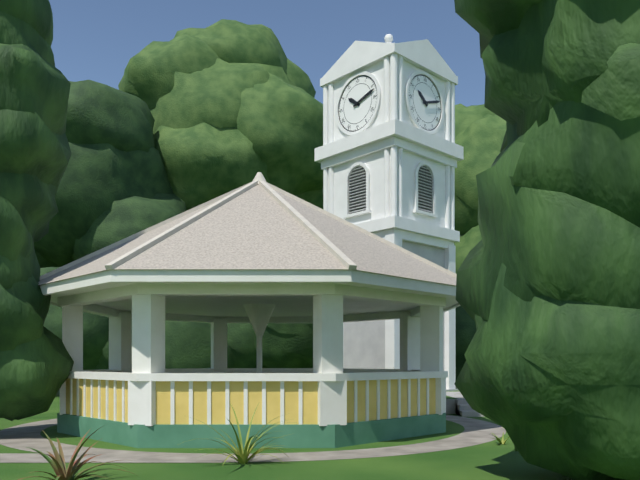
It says 10:12
